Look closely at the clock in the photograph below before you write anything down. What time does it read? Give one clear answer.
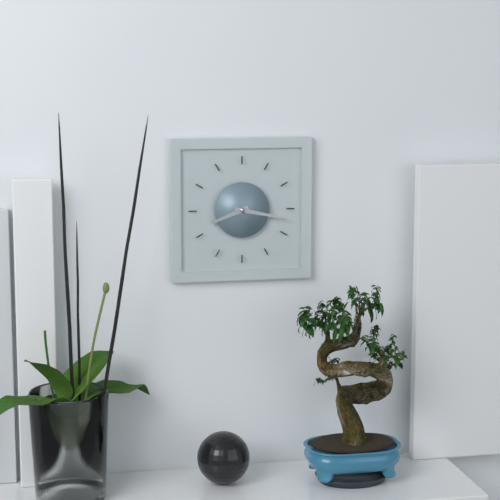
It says 8:17
